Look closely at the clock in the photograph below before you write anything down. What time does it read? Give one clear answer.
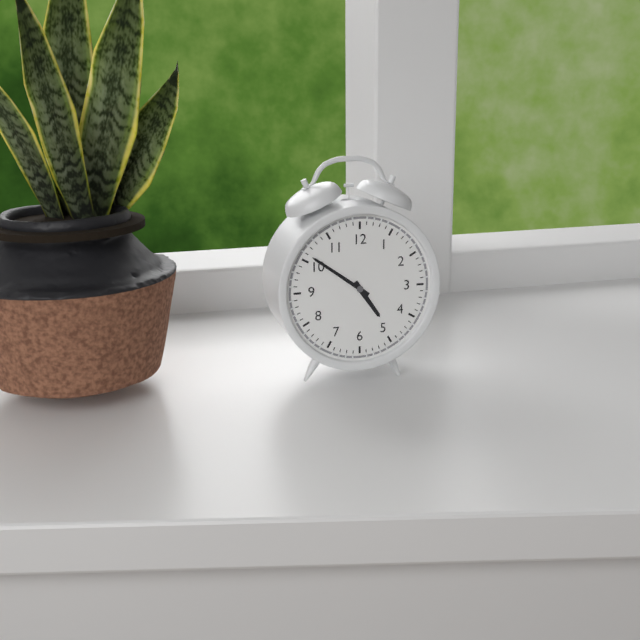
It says 4:51
